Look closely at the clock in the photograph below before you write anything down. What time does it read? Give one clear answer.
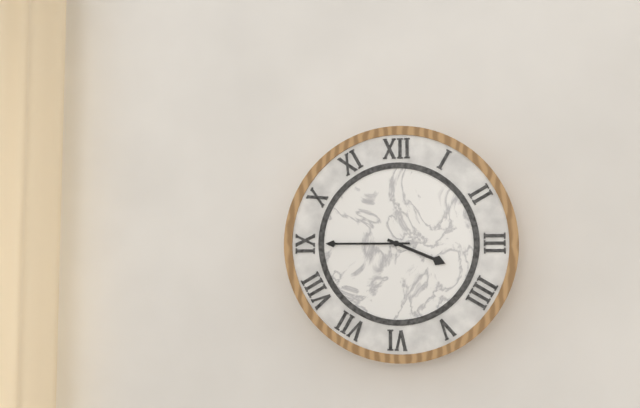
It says 3:45
